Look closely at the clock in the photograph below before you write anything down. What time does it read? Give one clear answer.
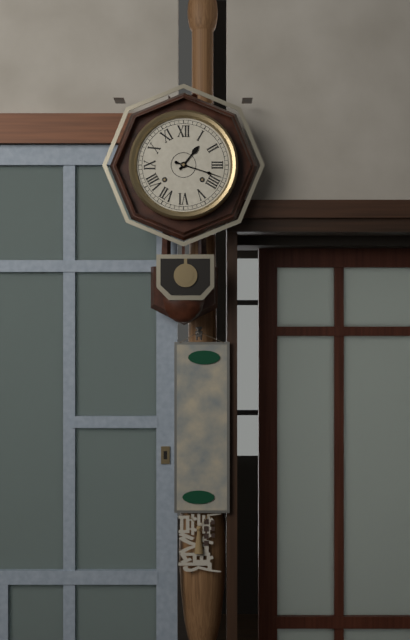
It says 1:18
